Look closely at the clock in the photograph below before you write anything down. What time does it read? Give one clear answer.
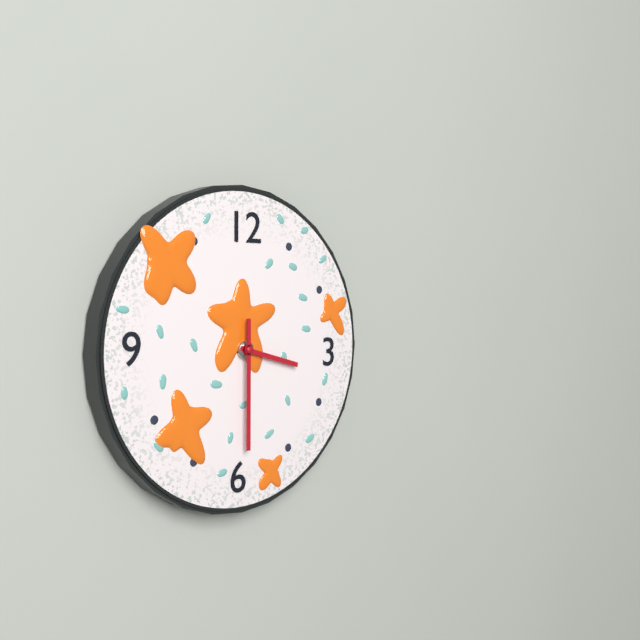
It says 3:30
